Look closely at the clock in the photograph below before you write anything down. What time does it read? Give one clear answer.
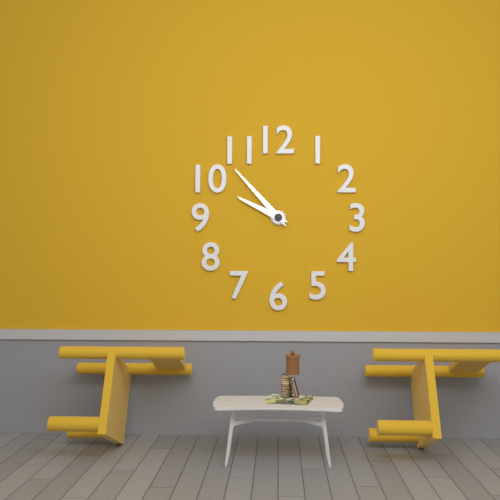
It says 9:53
